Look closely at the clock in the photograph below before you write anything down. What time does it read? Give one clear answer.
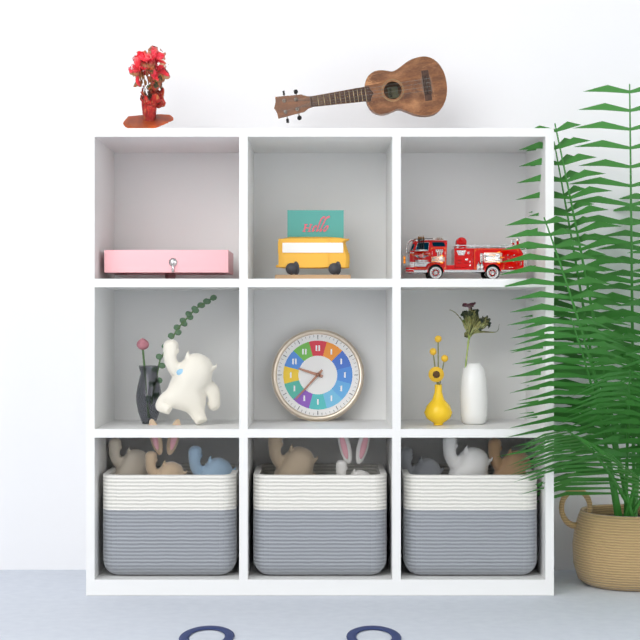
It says 9:37
